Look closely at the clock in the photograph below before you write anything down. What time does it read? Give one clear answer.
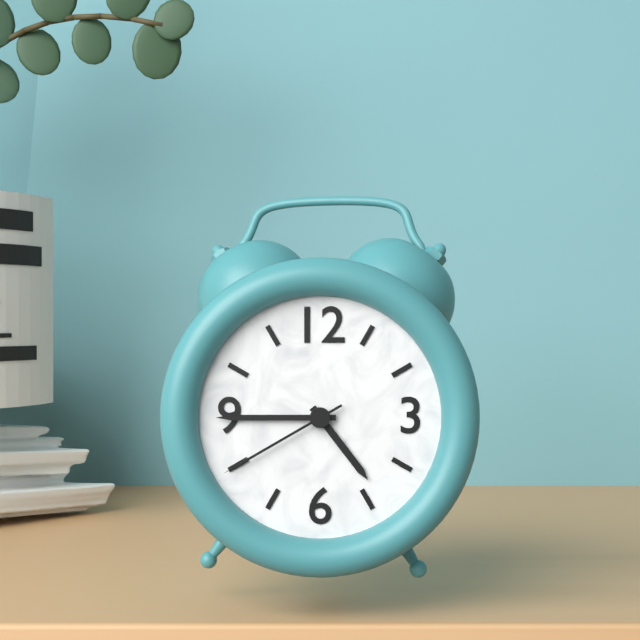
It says 4:45:40
